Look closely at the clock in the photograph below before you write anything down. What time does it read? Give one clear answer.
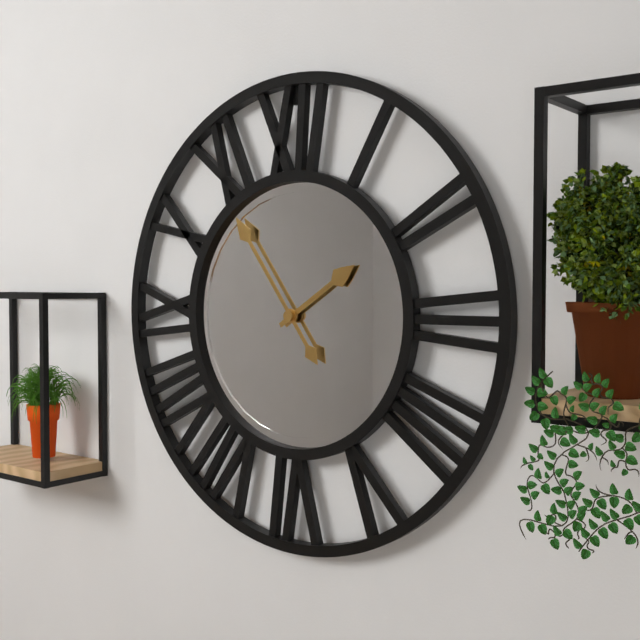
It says 1:54
